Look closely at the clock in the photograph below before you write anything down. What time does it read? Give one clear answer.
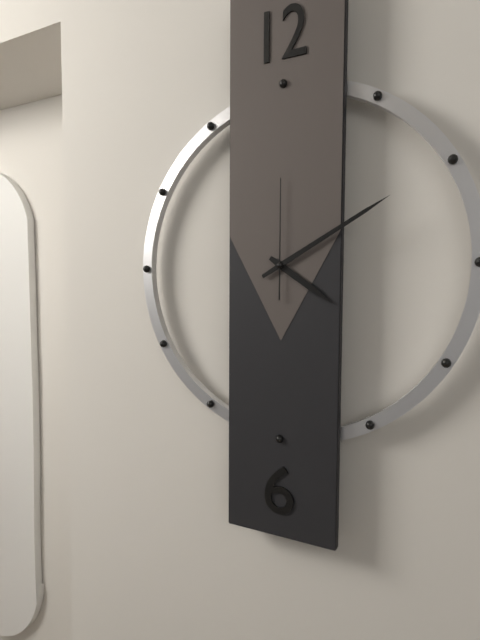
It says 4:10:00
